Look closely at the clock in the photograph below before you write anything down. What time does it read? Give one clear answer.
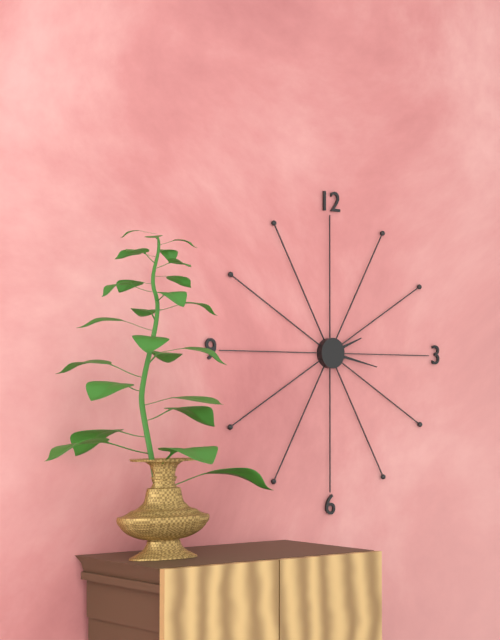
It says 2:17
